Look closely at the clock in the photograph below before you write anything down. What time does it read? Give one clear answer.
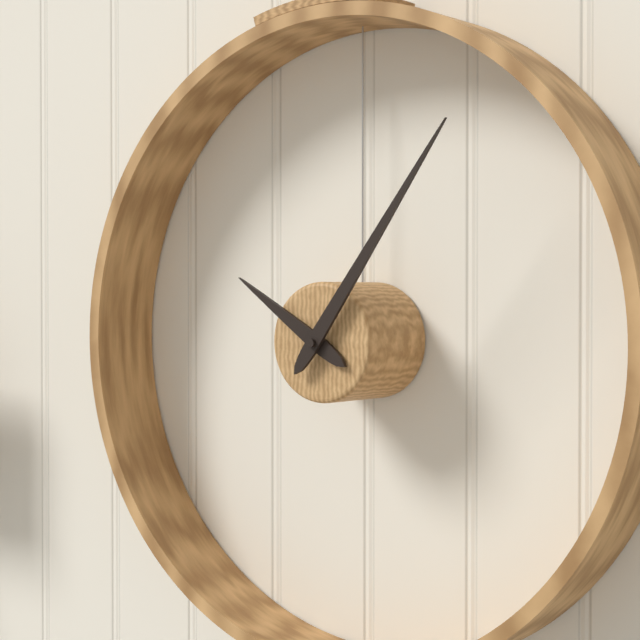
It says 10:06
